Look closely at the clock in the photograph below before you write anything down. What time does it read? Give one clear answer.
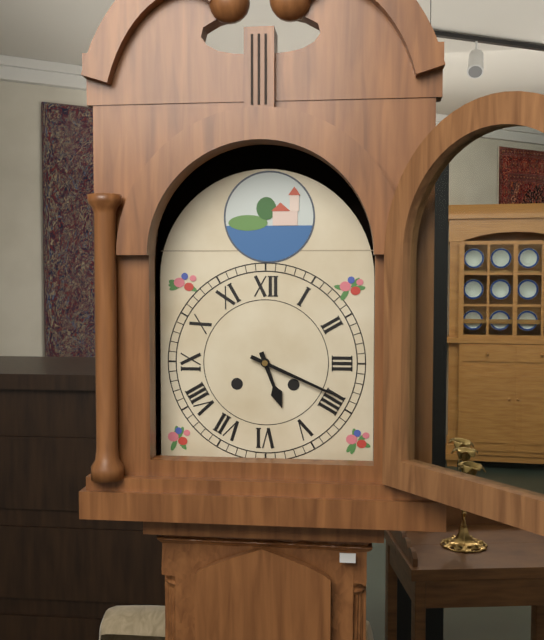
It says 5:19
